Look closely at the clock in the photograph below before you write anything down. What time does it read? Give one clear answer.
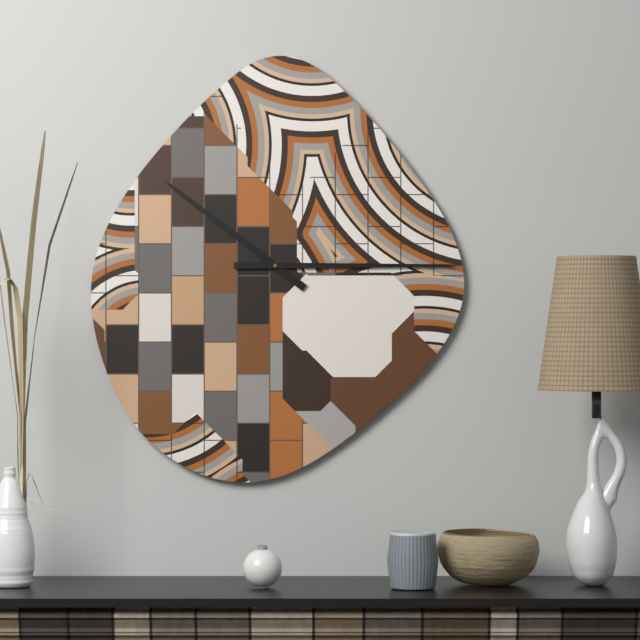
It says 10:15
